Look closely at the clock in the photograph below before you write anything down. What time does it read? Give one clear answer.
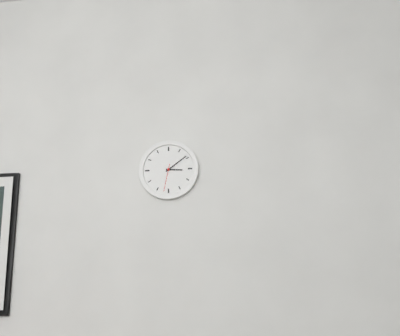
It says 3:09
